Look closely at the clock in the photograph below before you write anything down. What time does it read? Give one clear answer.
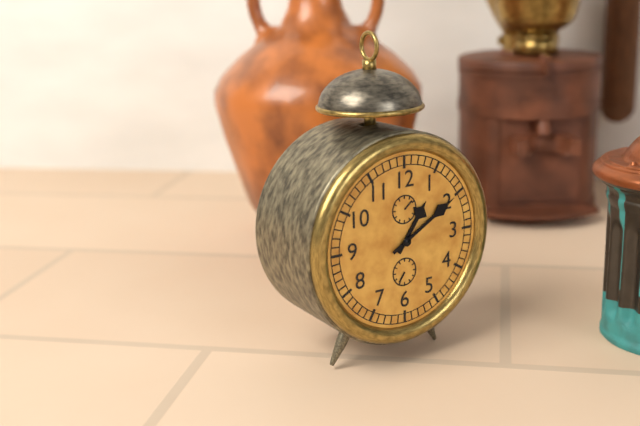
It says 1:10
